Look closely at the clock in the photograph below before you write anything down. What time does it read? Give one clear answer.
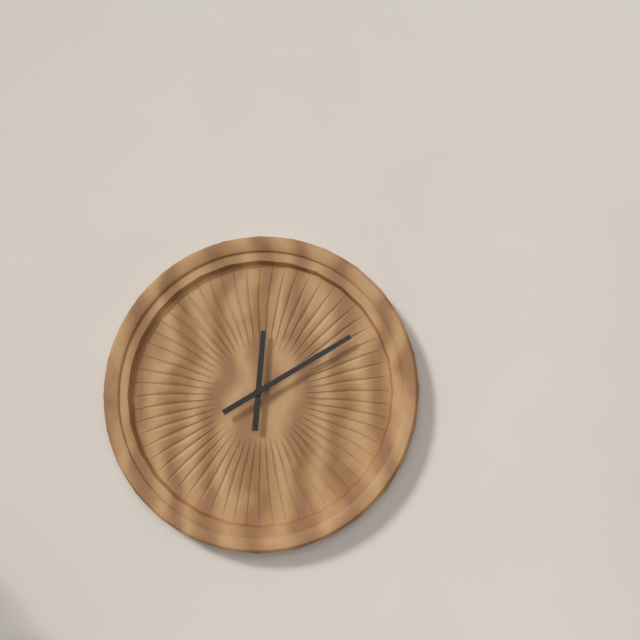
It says 12:10
